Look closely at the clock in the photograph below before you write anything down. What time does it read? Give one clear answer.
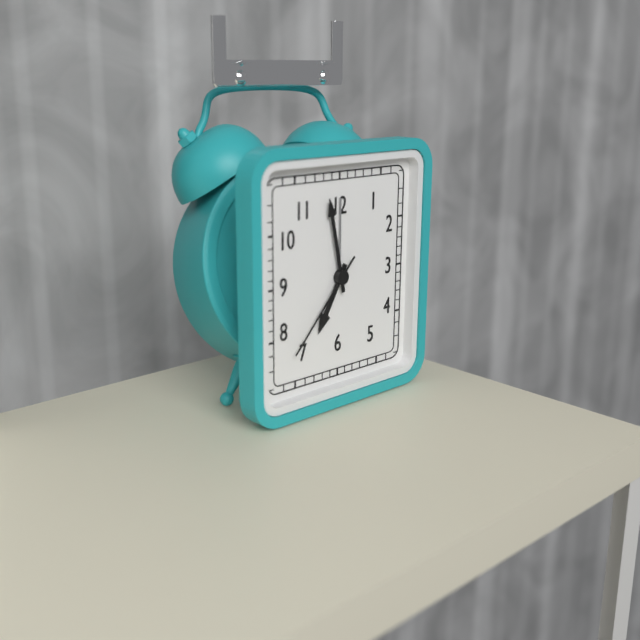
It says 6:58:37
